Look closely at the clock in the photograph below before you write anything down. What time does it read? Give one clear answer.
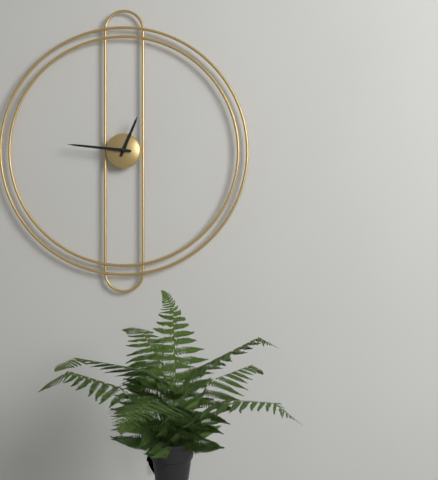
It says 12:46
